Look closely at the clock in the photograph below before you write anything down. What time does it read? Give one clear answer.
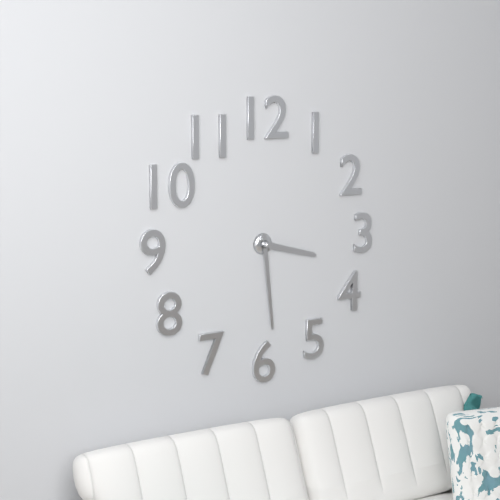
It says 3:29
